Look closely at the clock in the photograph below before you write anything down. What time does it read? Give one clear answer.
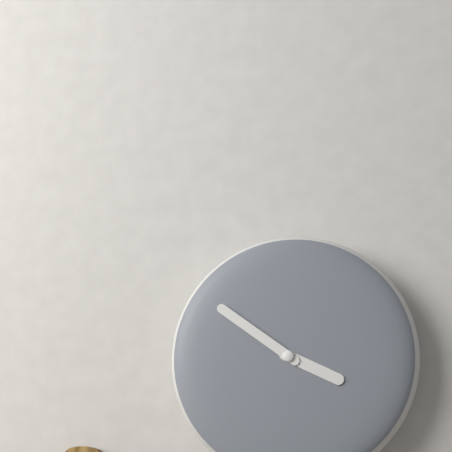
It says 3:51
